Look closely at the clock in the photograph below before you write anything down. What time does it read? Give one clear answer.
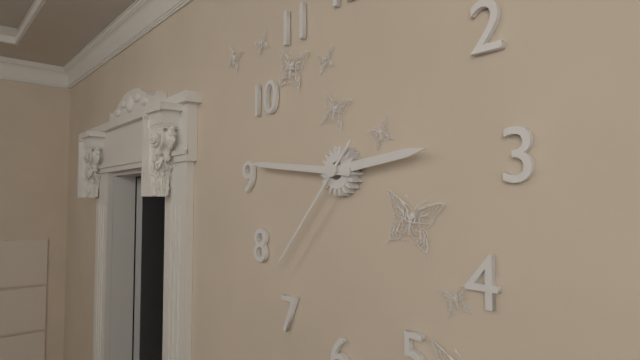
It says 2:46:37
